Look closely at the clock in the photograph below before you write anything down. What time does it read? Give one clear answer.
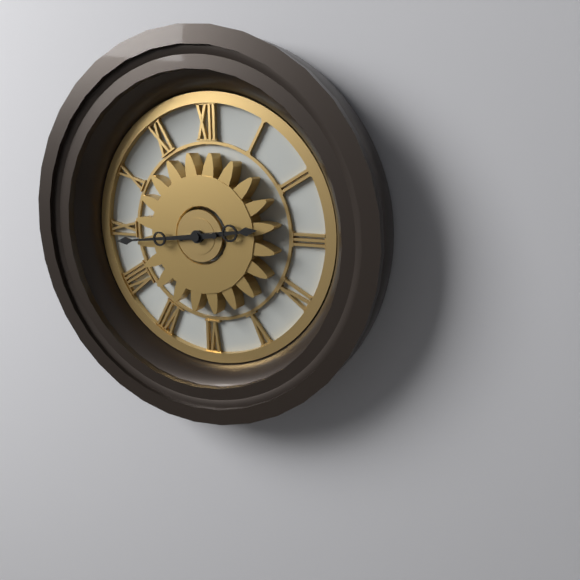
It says 2:44
